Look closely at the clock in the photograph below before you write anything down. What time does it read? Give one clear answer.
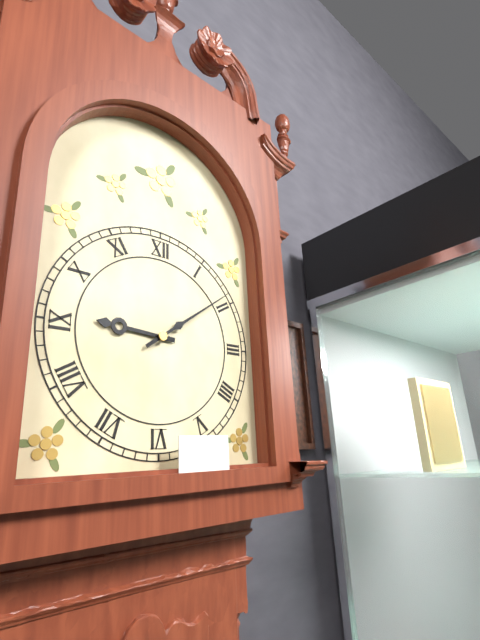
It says 9:09
